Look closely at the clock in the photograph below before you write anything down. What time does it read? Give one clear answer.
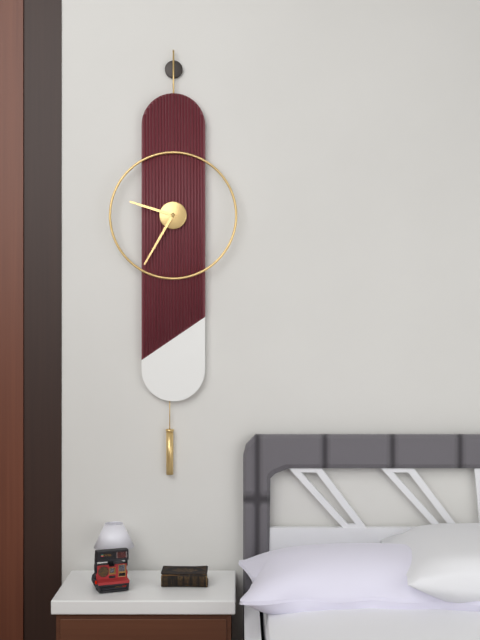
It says 9:35
